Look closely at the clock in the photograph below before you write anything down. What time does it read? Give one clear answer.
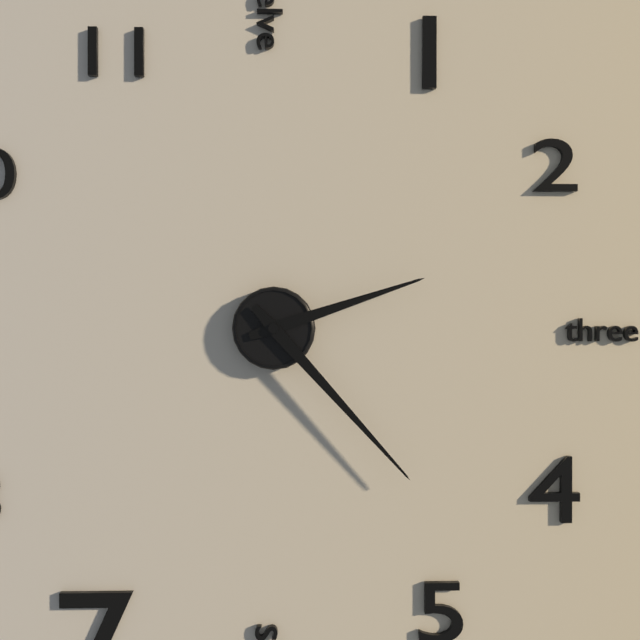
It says 2:23
